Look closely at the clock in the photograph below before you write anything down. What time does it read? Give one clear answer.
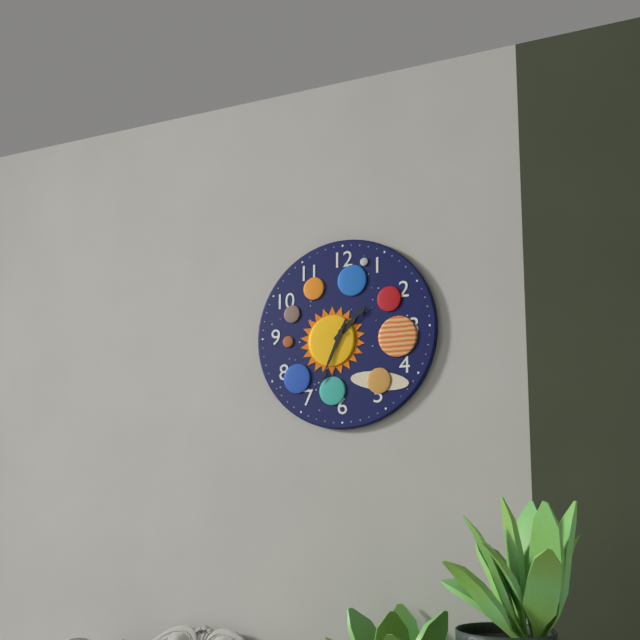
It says 1:34
